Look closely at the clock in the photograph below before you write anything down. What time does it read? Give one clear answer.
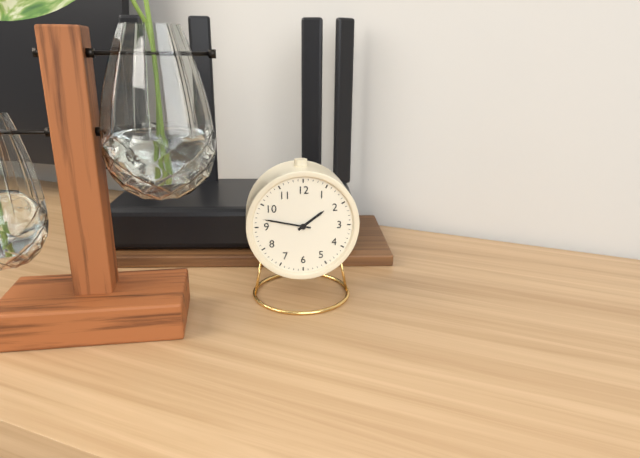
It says 1:47
